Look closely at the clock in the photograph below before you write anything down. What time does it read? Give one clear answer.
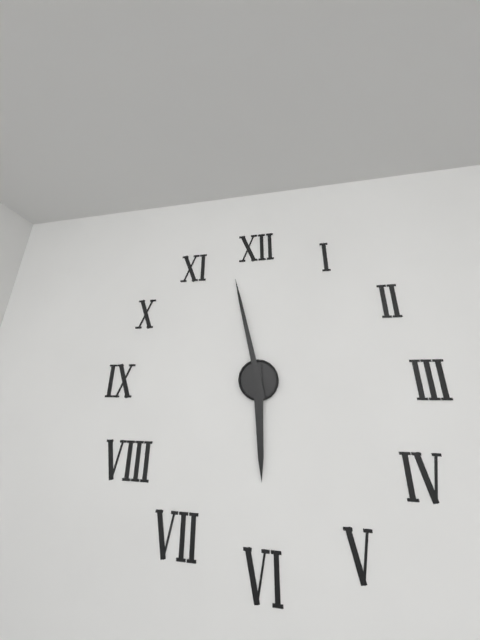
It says 5:58
